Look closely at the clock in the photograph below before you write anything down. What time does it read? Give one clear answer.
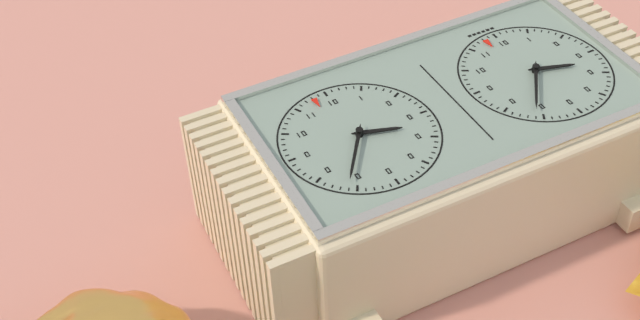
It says 3:36
